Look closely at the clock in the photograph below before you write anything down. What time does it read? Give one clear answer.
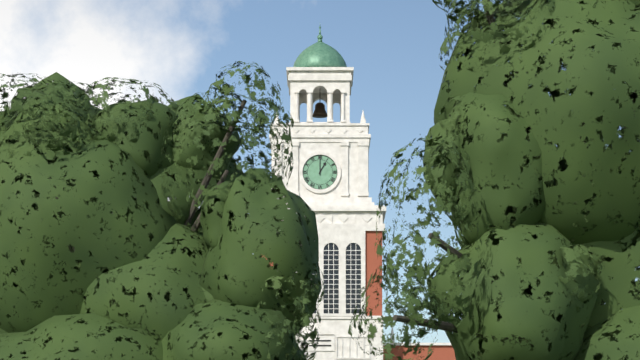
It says 1:00
